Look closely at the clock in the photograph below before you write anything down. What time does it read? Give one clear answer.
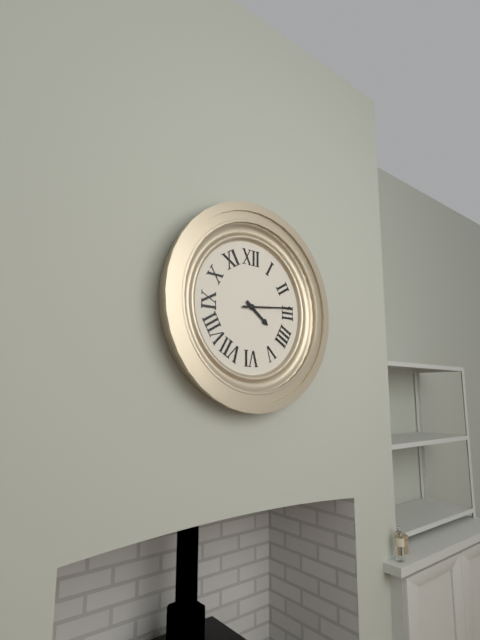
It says 4:14
